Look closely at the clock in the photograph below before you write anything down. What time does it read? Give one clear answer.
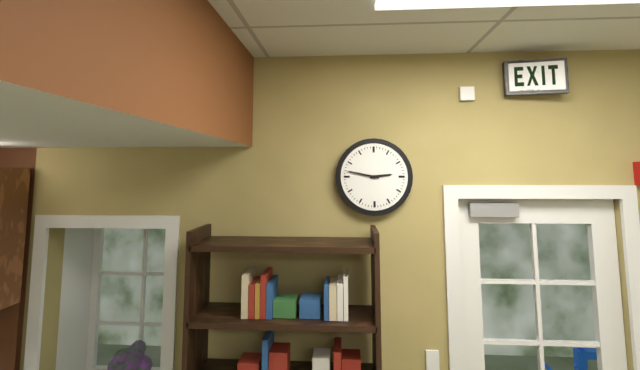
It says 2:47
